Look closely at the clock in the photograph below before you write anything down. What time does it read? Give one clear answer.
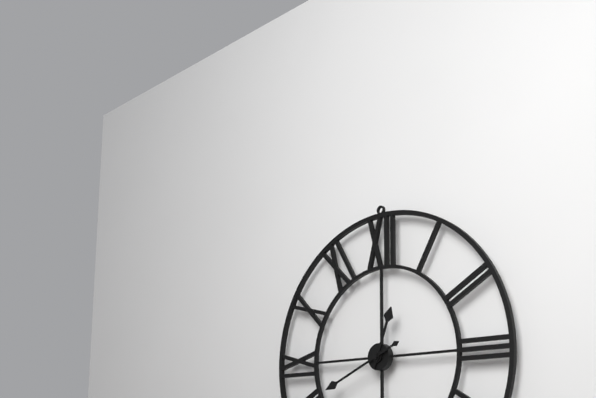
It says 12:41
